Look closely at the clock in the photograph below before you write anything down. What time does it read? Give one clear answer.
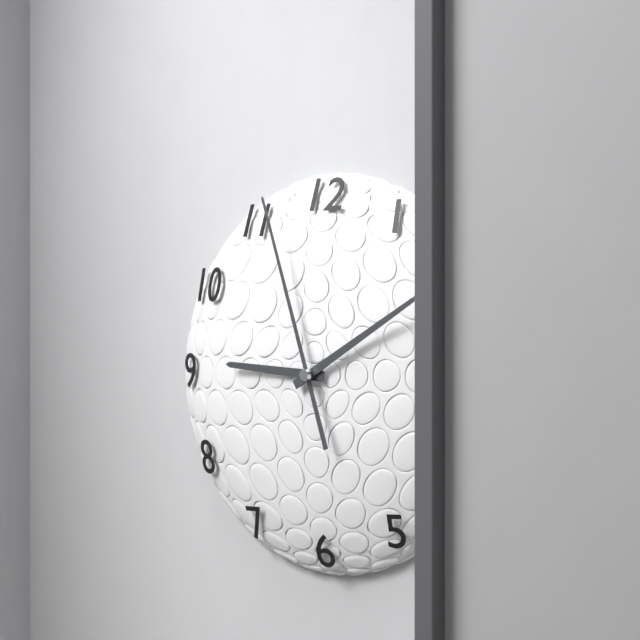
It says 9:10:57
